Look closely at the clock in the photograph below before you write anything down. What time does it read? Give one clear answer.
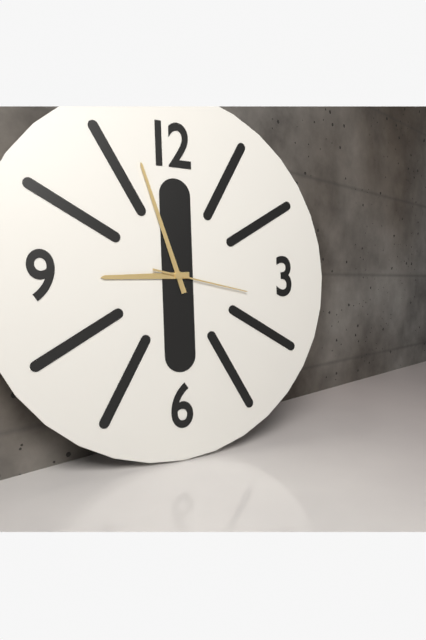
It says 8:57:17
